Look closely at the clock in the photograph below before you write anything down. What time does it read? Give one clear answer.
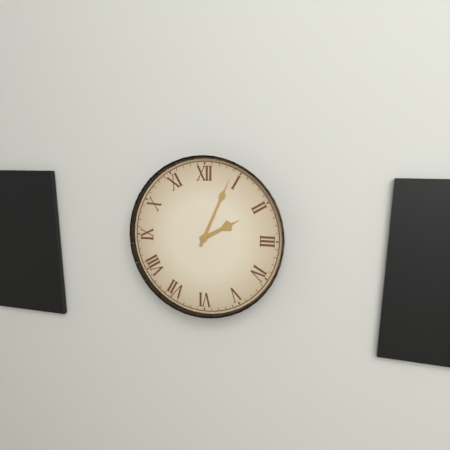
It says 2:04
